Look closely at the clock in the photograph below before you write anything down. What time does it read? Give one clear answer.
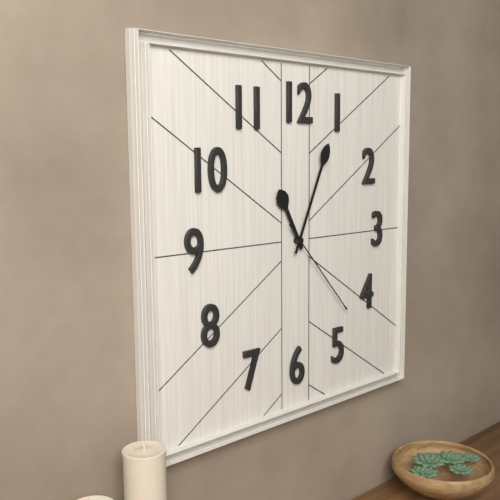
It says 11:04:23
